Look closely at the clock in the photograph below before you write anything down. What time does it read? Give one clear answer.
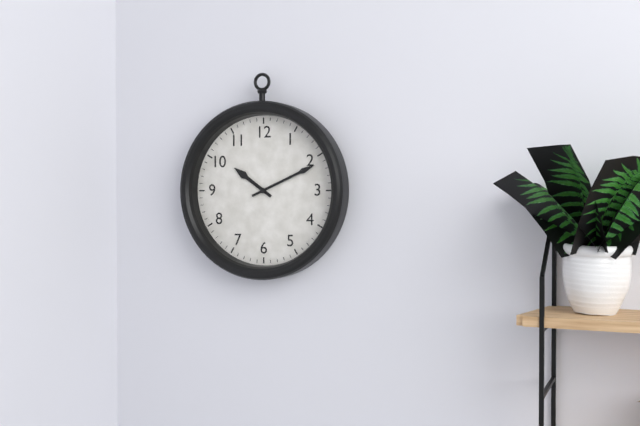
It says 10:11
